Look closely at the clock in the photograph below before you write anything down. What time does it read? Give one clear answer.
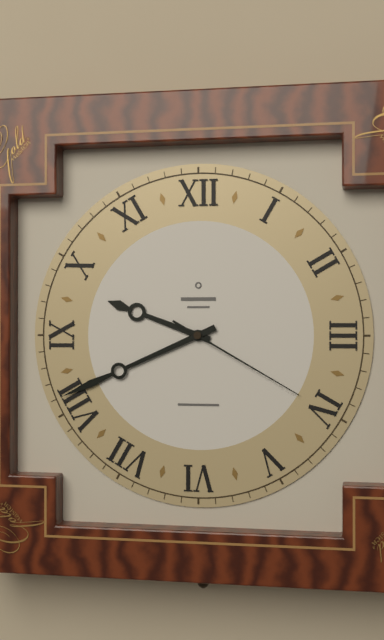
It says 9:41:20
